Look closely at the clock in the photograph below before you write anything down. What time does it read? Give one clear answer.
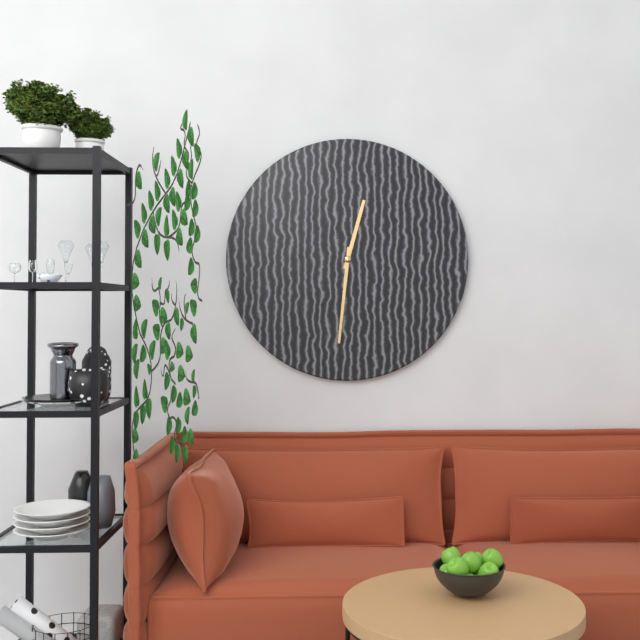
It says 12:31
